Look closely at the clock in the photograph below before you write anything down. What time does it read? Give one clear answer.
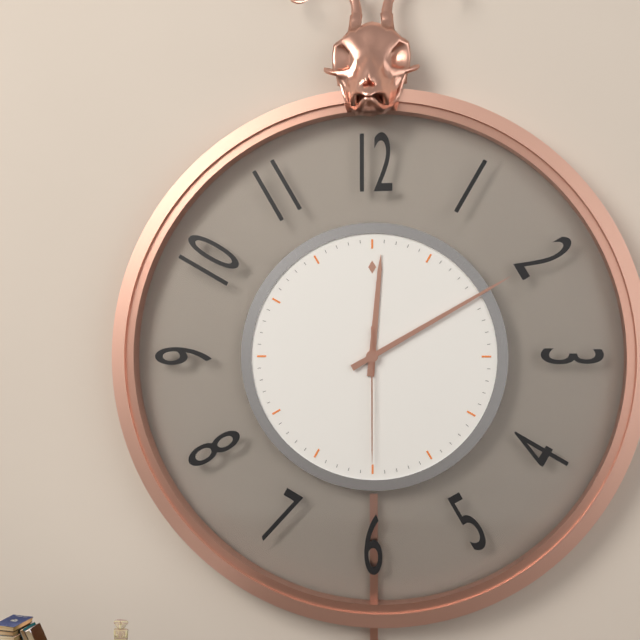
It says 12:10:30
